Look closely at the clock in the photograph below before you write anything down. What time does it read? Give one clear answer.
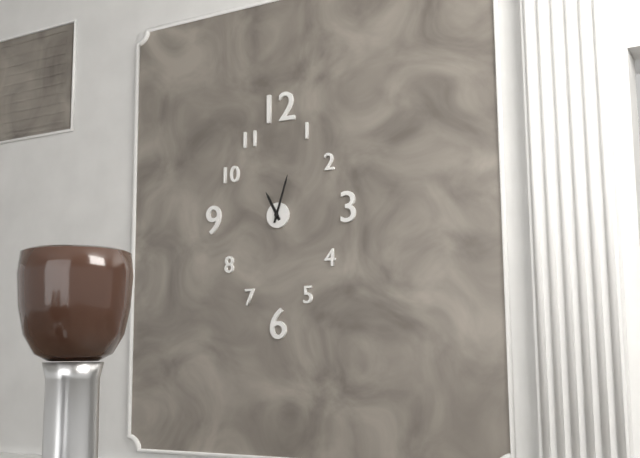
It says 11:03
